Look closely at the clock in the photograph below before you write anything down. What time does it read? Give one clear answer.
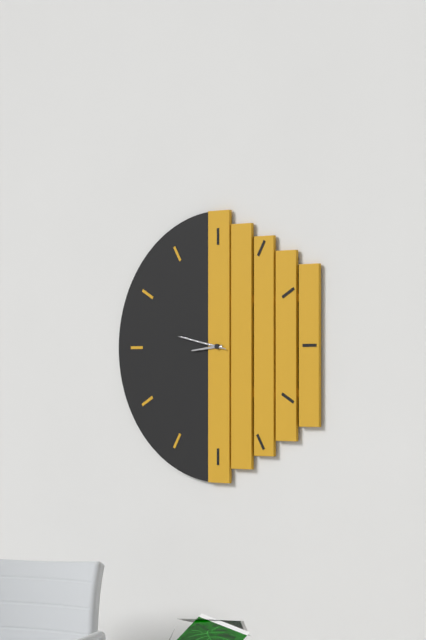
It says 8:47:47
